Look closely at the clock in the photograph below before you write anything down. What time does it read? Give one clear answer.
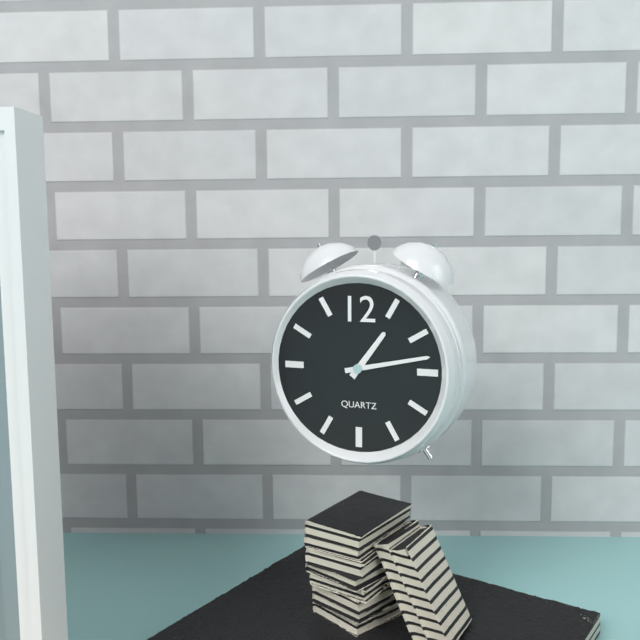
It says 1:13
